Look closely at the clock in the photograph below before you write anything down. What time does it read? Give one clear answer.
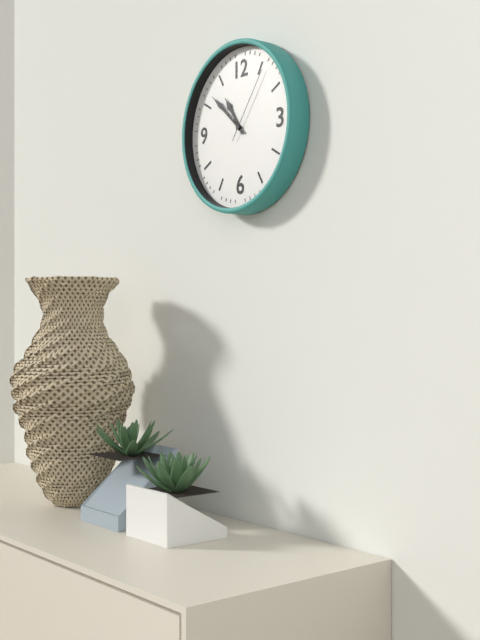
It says 10:52:06
